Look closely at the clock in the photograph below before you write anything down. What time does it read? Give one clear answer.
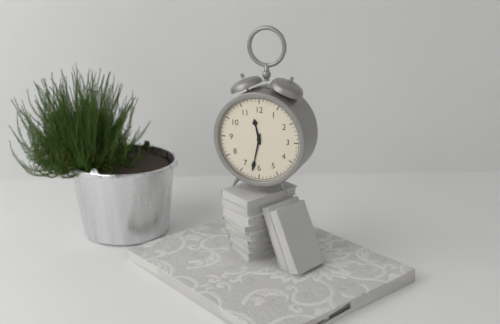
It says 11:32
